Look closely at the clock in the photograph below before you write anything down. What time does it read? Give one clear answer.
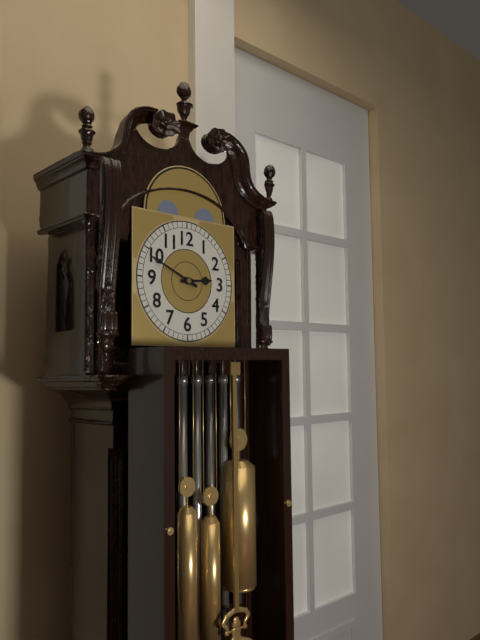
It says 2:49
